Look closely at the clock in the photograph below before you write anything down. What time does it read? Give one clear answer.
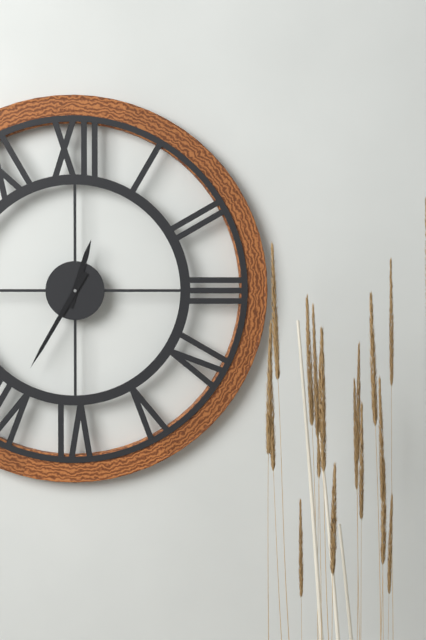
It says 12:35
